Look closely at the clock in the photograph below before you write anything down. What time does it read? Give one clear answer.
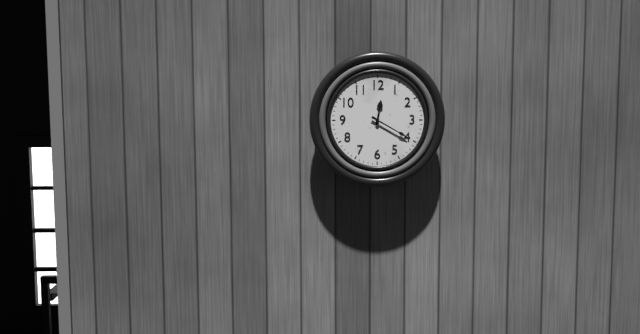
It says 12:20
